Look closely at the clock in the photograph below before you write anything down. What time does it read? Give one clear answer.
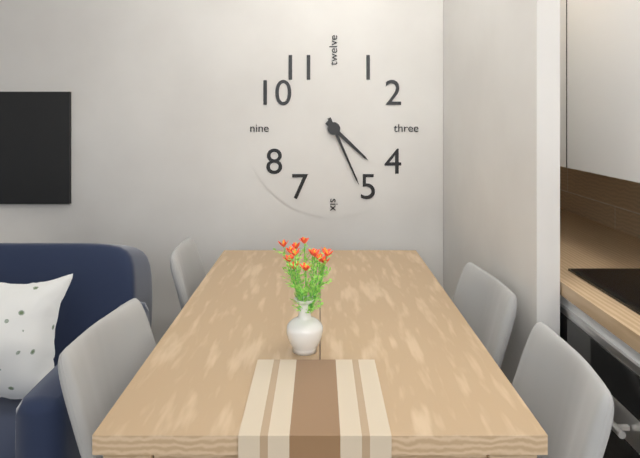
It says 4:26
